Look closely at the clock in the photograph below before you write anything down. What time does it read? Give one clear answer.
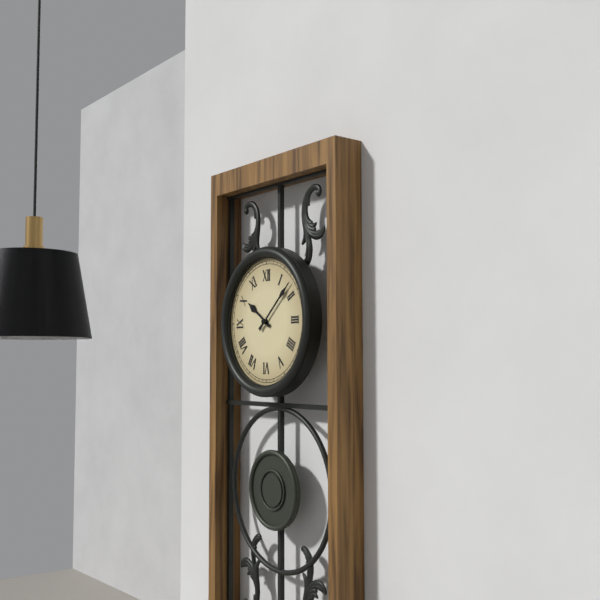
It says 10:08
